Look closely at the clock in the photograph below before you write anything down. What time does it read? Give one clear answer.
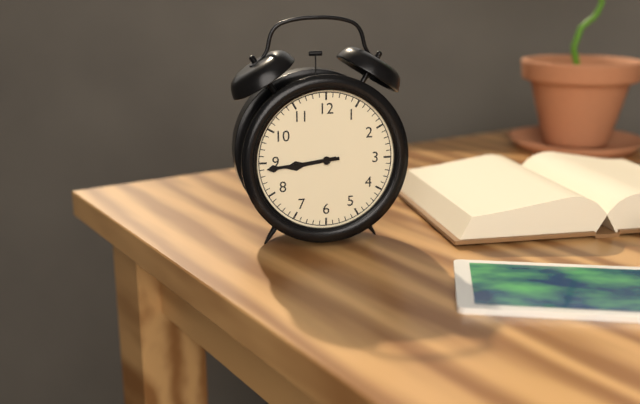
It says 8:44
